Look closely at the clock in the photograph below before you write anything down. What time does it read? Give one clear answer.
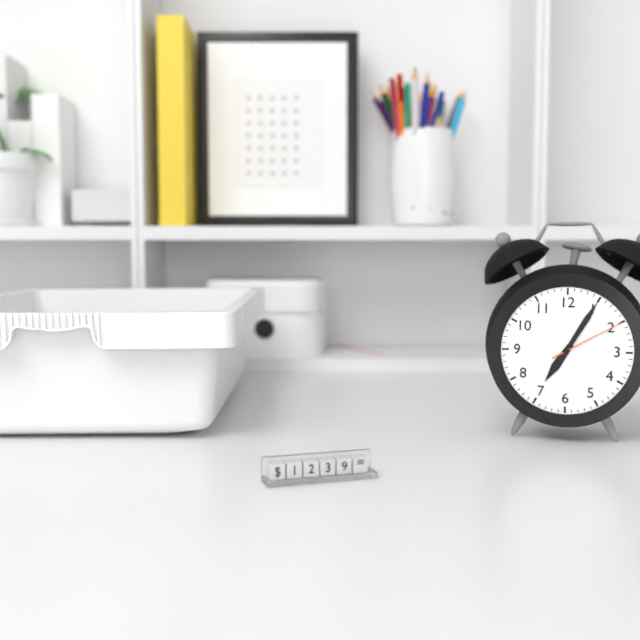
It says 7:05:10
